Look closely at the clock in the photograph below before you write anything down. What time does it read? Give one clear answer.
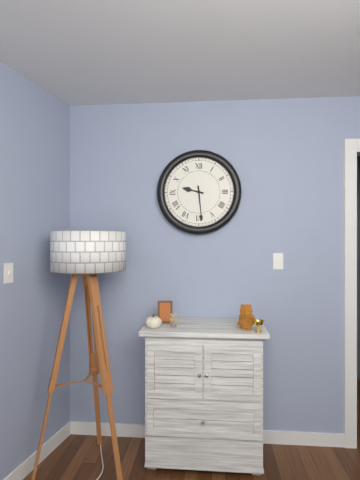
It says 9:29
